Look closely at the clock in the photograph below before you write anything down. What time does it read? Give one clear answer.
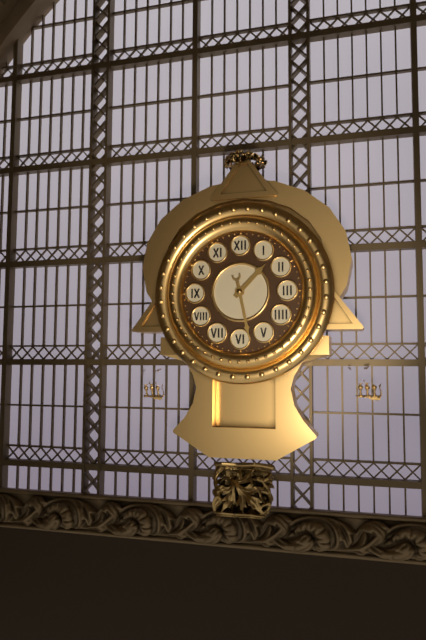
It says 1:28
